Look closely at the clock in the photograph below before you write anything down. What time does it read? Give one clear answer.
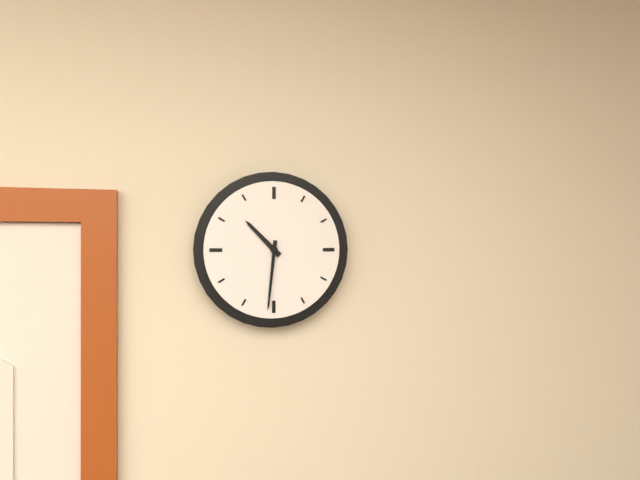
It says 10:31
